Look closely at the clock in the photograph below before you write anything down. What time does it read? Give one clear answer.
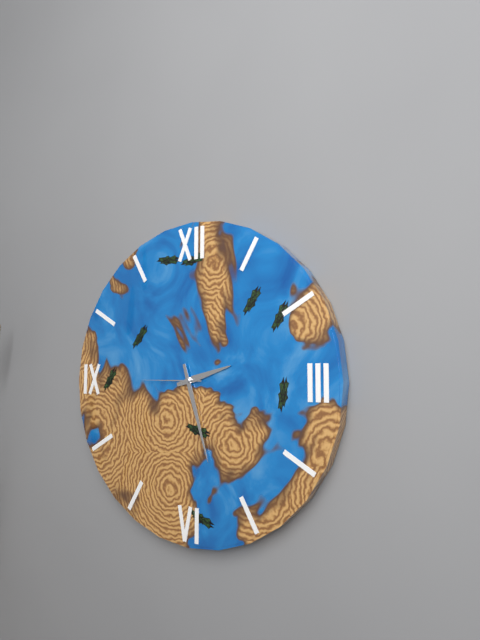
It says 2:27:45
